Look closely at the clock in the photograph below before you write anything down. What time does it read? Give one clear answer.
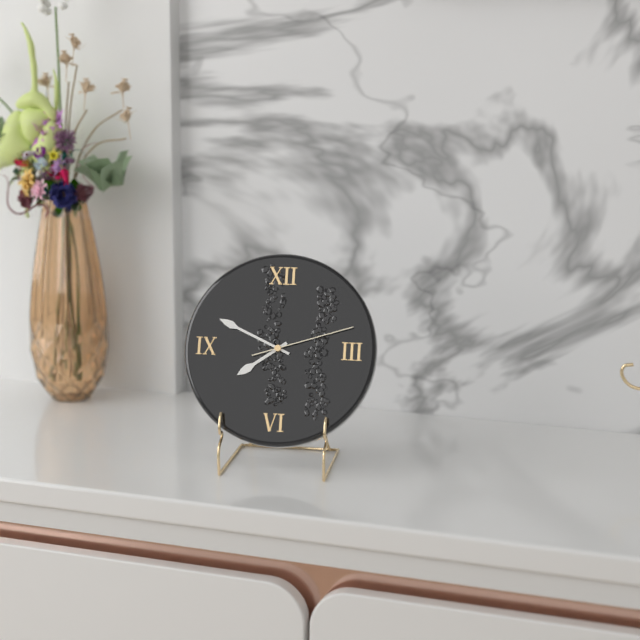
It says 7:49:12
